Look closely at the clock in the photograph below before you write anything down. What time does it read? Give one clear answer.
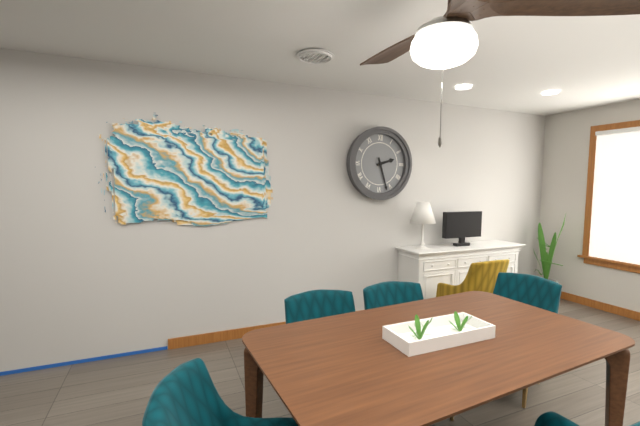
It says 2:27
